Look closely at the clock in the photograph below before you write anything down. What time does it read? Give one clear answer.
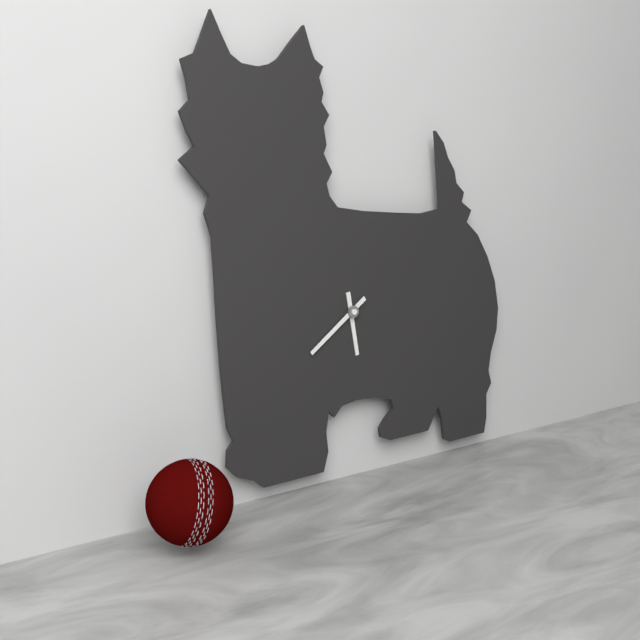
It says 5:39
